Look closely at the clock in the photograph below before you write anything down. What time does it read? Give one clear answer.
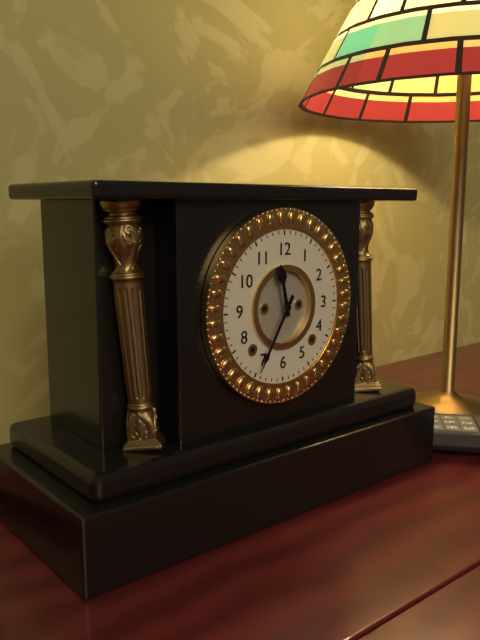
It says 11:35
